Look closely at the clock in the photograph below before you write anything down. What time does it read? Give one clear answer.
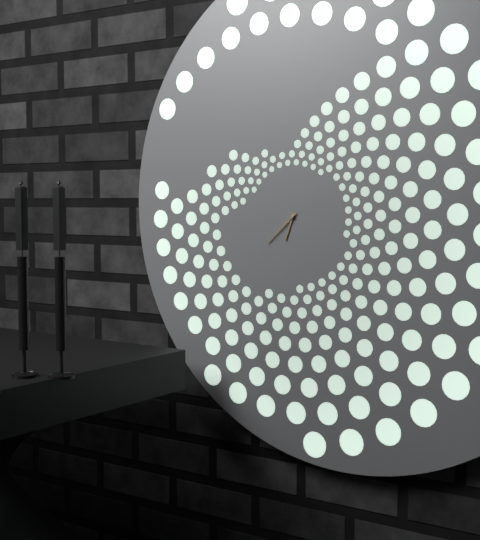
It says 6:38
